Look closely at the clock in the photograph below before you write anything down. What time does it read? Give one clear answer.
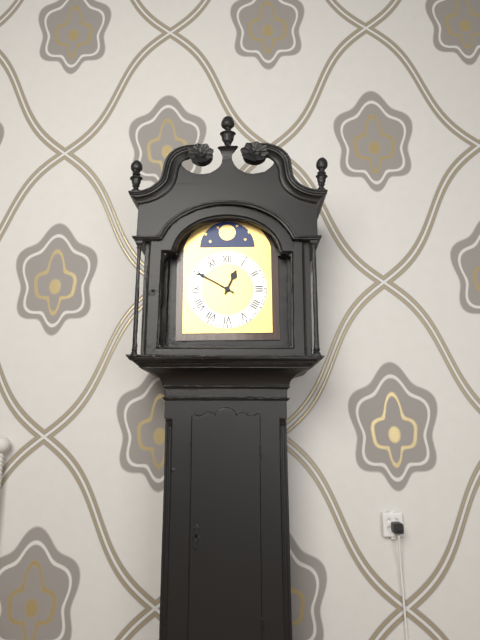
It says 12:50
